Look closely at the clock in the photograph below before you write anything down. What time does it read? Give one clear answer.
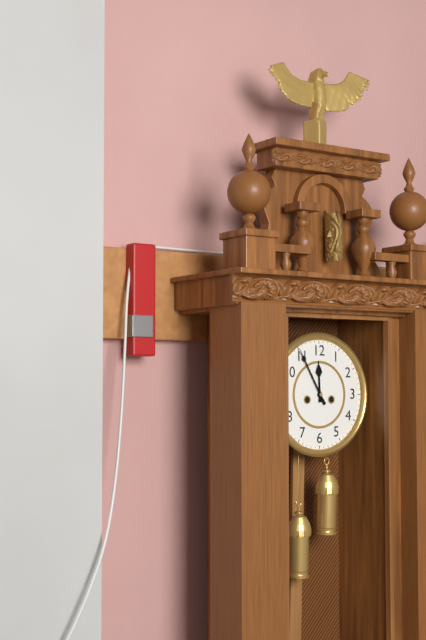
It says 11:55
